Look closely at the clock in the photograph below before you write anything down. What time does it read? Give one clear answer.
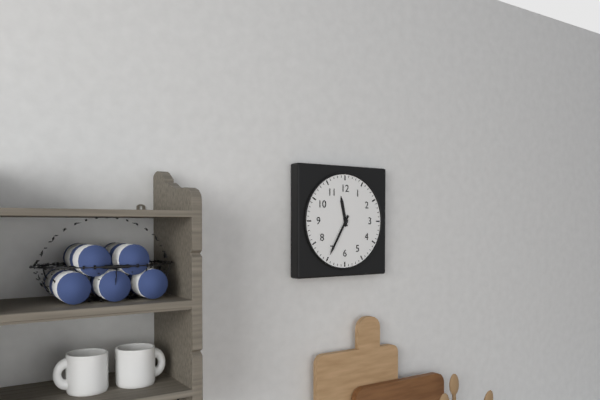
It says 11:35
